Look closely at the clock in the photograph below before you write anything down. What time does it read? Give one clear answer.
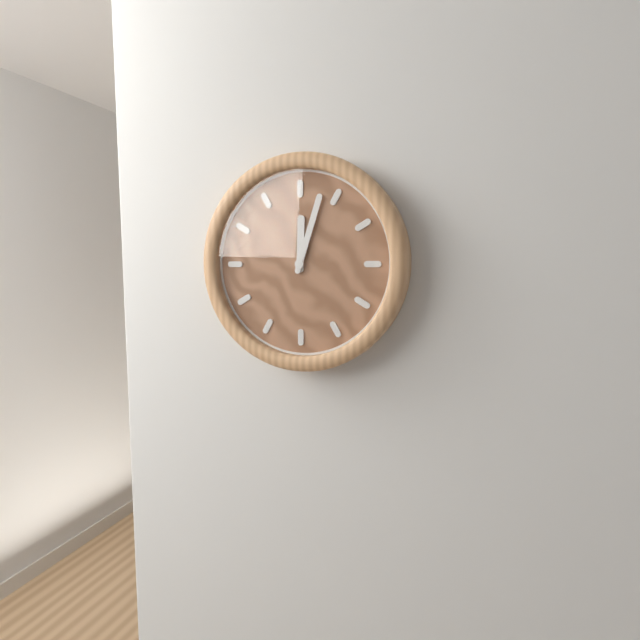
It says 12:03
